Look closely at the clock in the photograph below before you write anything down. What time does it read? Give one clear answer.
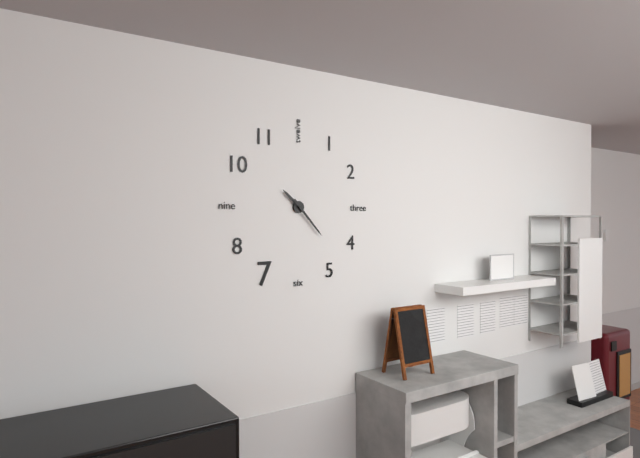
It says 10:23
